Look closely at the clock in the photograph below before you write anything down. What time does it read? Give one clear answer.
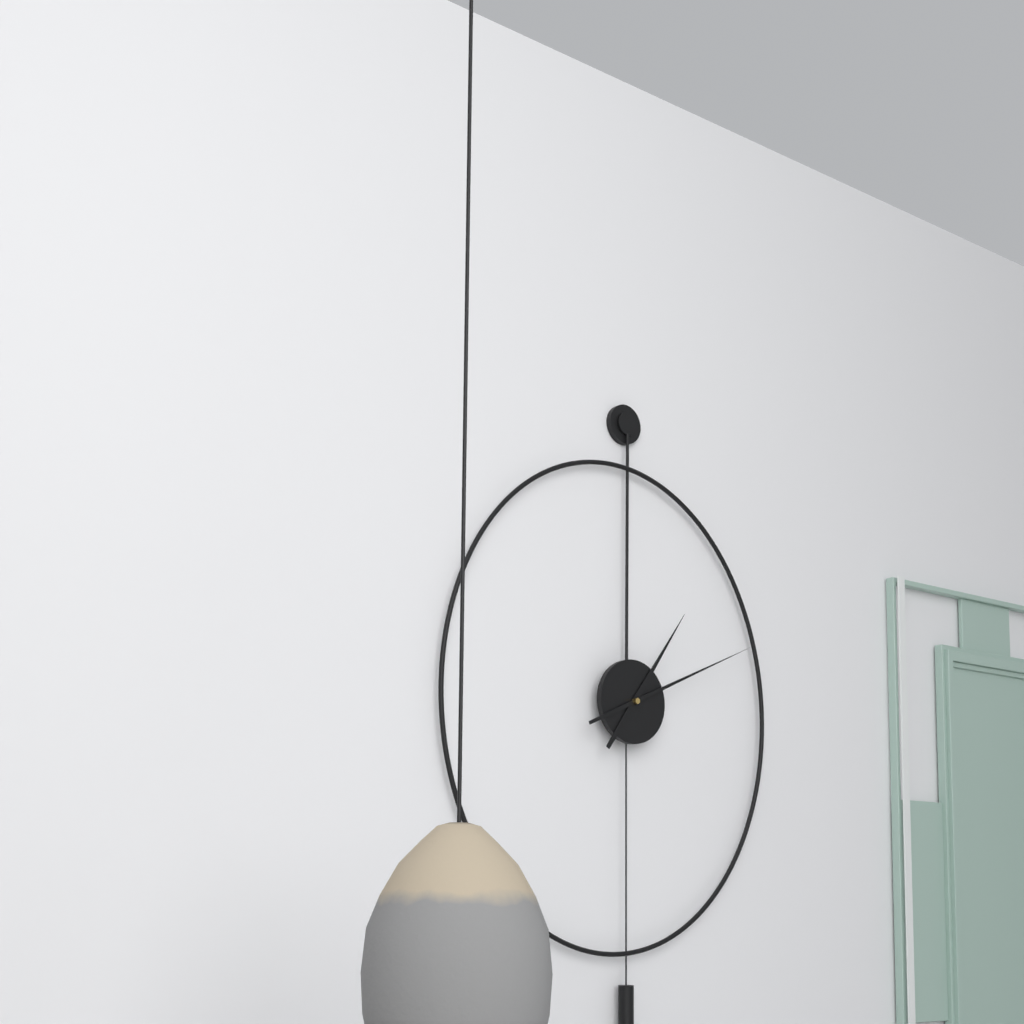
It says 1:11
